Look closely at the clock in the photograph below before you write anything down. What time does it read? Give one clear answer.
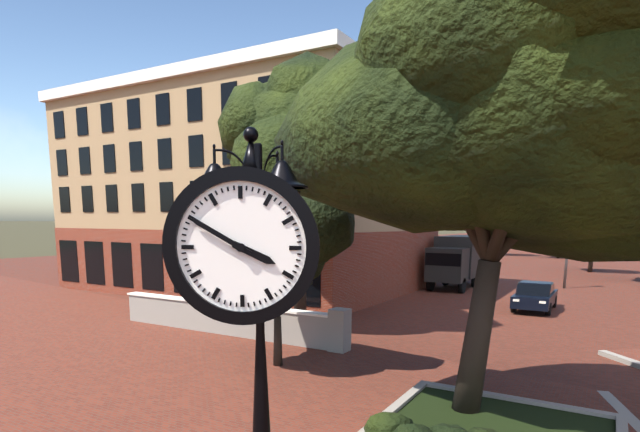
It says 3:50
